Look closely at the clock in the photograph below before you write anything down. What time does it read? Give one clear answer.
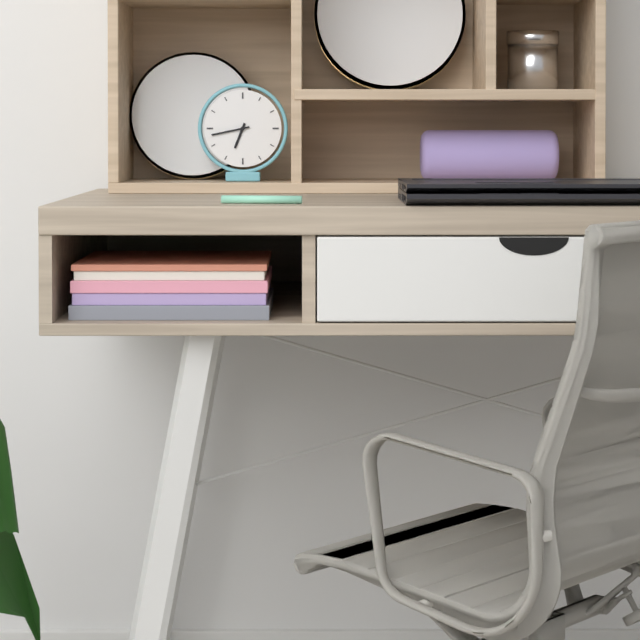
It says 6:43
